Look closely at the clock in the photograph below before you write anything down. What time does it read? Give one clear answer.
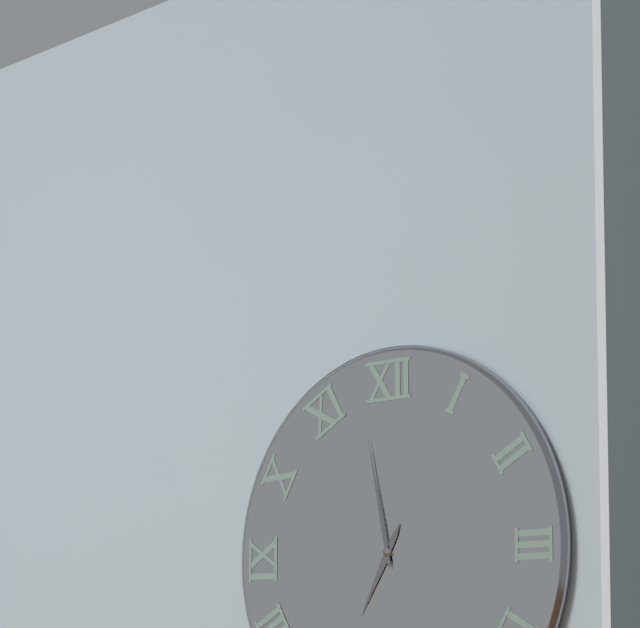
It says 6:58
